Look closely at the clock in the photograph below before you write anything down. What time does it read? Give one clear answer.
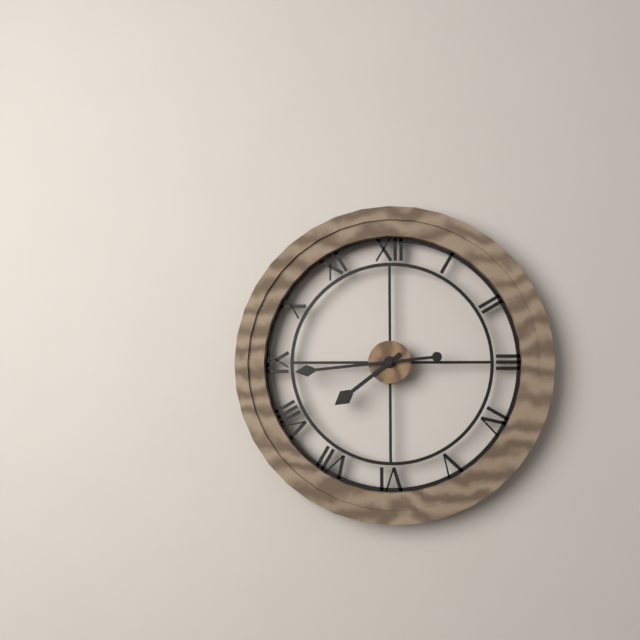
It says 7:44
